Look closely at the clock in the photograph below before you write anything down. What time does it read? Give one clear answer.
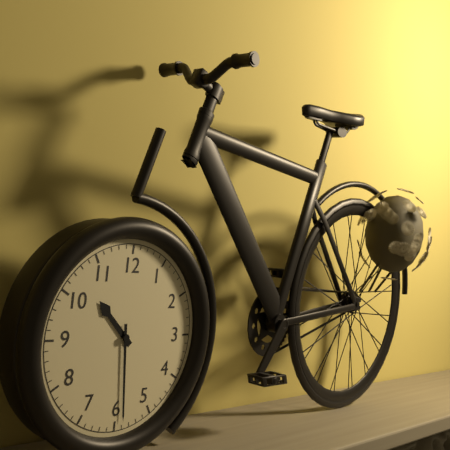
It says 10:29
